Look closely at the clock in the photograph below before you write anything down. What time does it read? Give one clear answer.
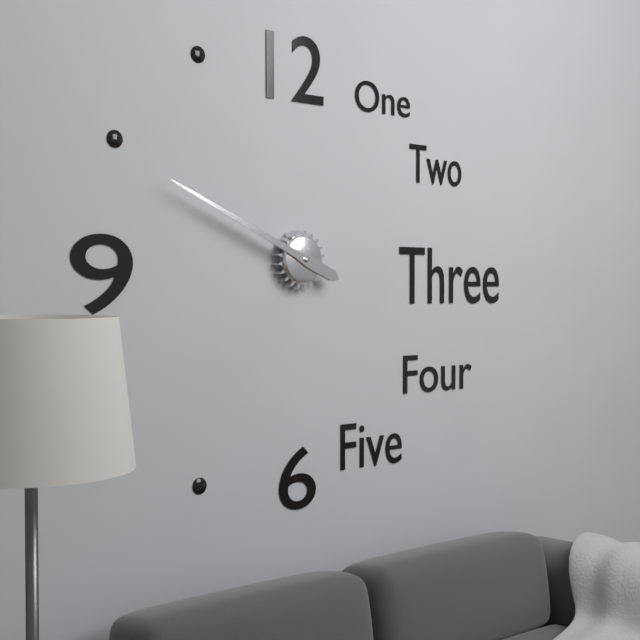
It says 9:49
